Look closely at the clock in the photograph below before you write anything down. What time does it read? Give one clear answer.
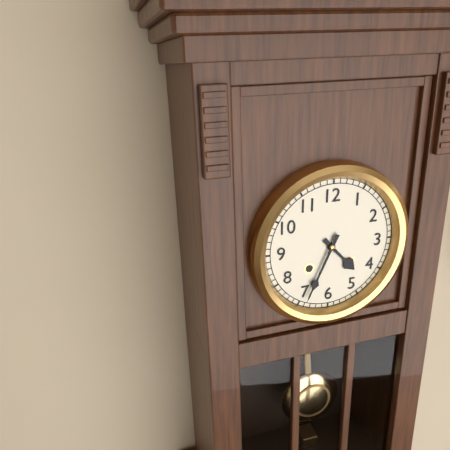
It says 4:34
